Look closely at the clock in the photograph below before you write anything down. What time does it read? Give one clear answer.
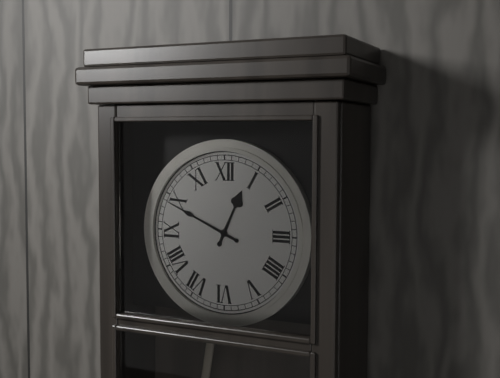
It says 12:49
